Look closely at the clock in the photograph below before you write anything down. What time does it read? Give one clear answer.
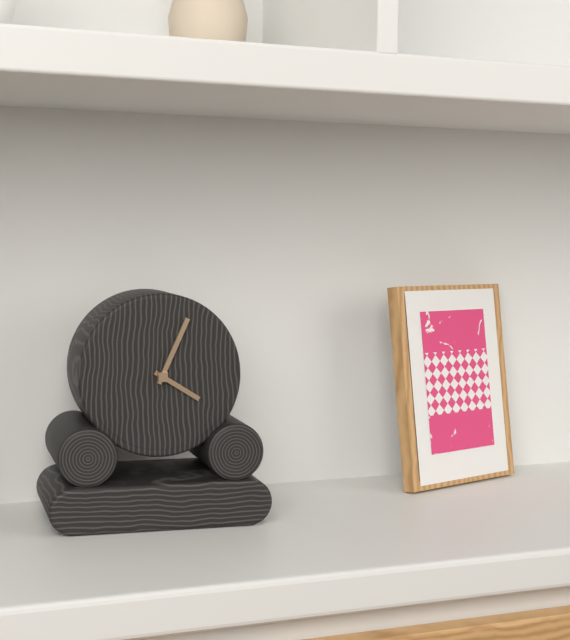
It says 4:04
